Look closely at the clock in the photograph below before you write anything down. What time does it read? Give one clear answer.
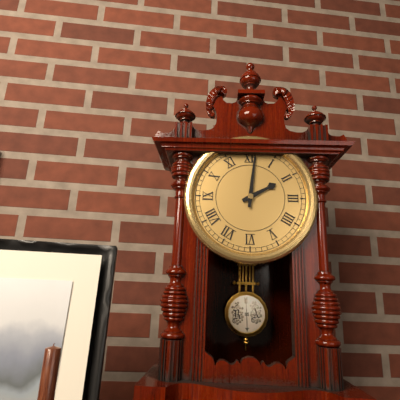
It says 2:01
